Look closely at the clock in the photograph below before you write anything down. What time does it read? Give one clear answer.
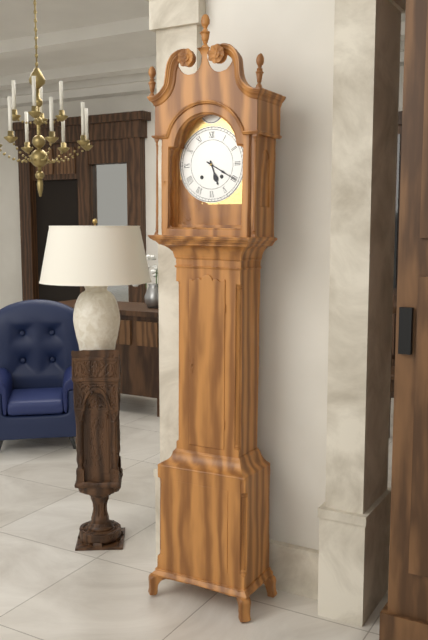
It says 5:20
